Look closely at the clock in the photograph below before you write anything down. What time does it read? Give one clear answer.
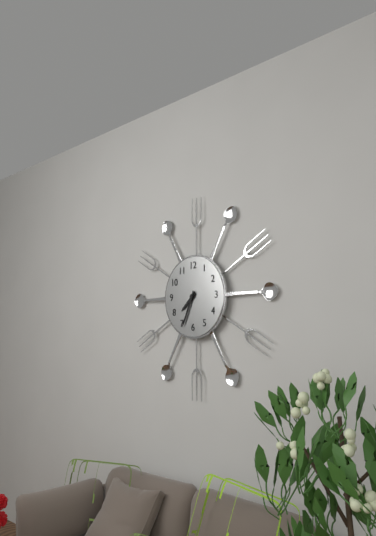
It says 7:34
